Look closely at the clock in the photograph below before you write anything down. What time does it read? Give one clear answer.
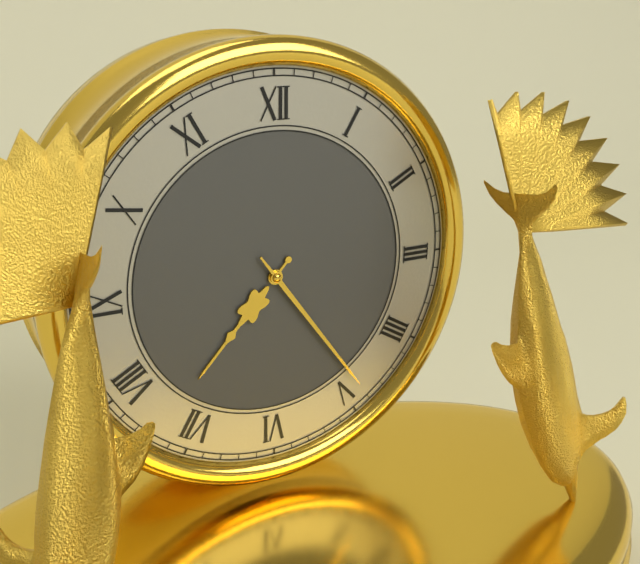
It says 7:24
